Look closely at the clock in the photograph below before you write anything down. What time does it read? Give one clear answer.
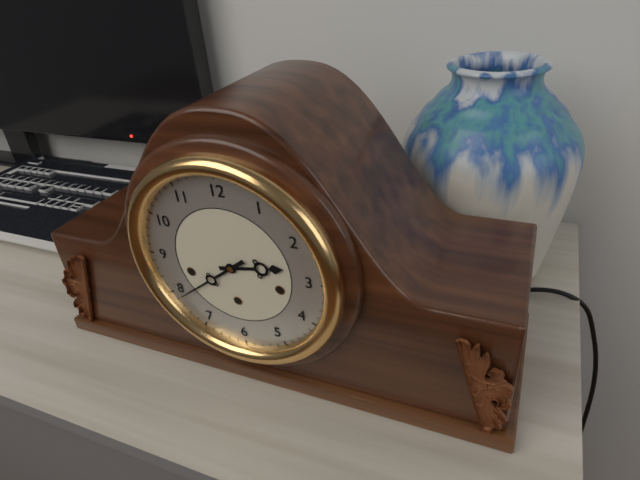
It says 2:39
